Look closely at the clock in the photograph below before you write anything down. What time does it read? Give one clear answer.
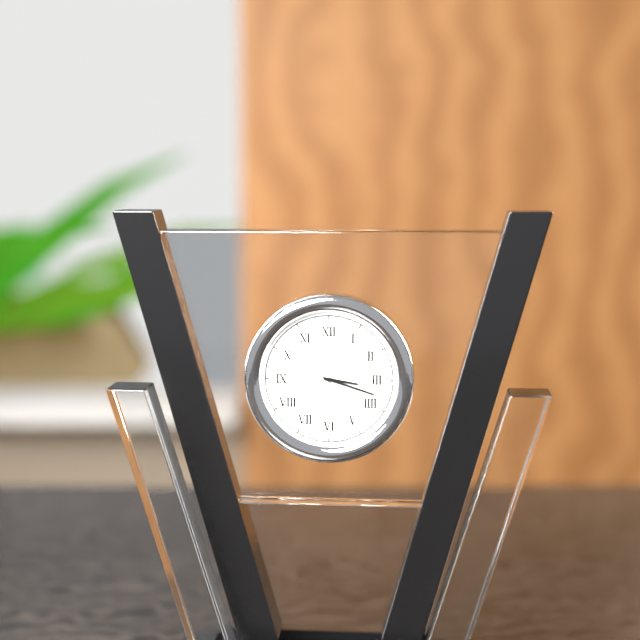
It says 3:18:09
